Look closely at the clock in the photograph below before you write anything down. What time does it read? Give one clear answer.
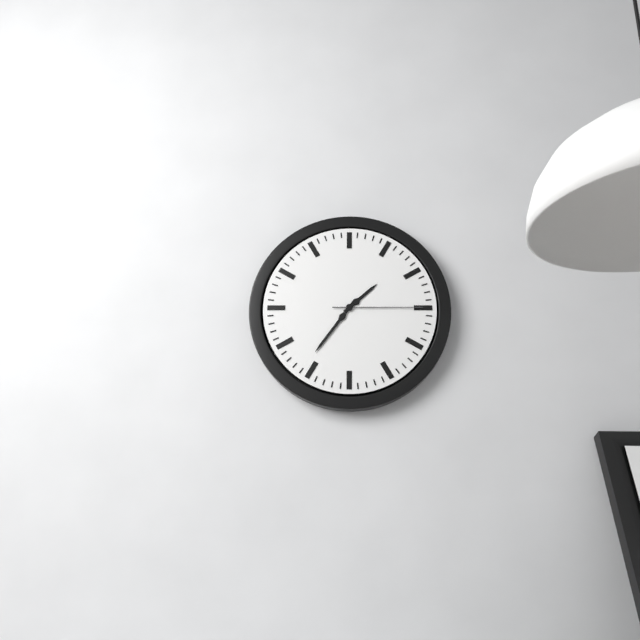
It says 1:36:15
